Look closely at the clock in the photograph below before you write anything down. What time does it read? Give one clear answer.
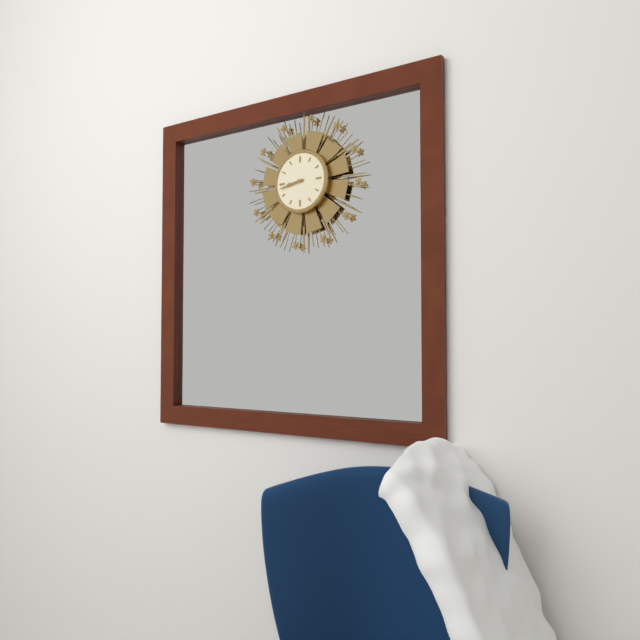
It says 8:43
